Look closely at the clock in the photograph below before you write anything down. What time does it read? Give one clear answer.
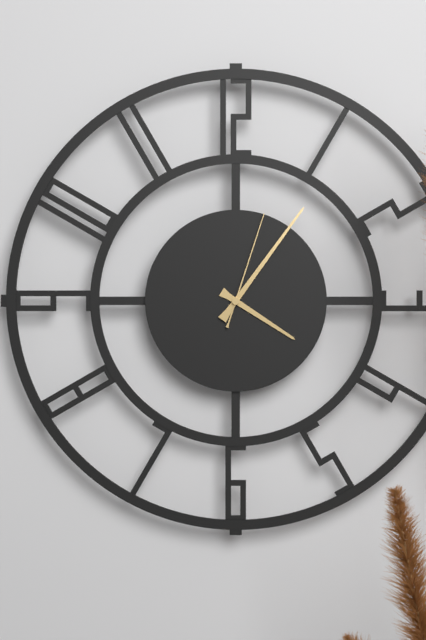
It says 4:06:03
